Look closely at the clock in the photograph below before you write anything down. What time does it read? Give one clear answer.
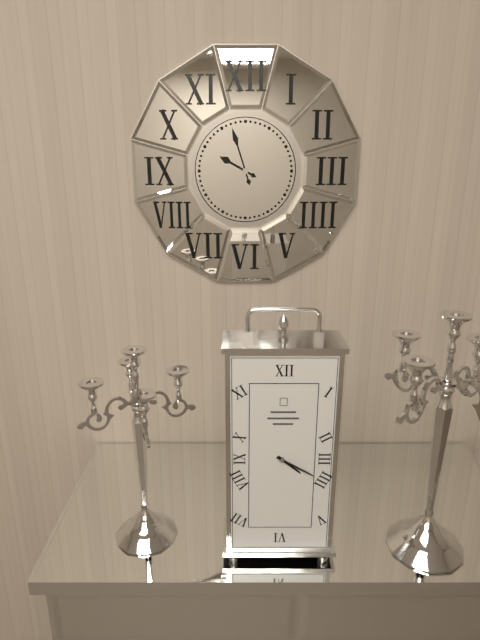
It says 9:57
